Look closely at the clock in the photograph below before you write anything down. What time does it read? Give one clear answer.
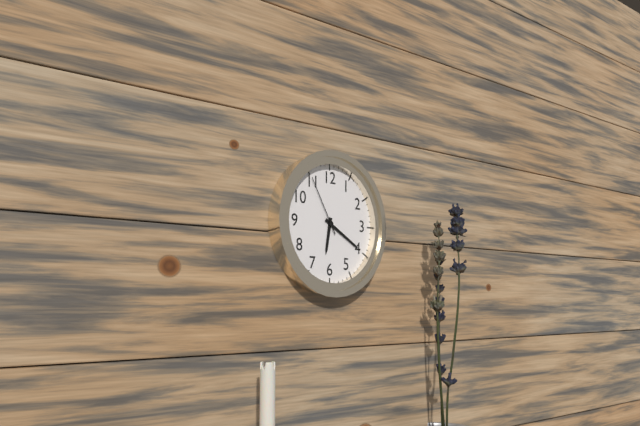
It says 6:20:55
